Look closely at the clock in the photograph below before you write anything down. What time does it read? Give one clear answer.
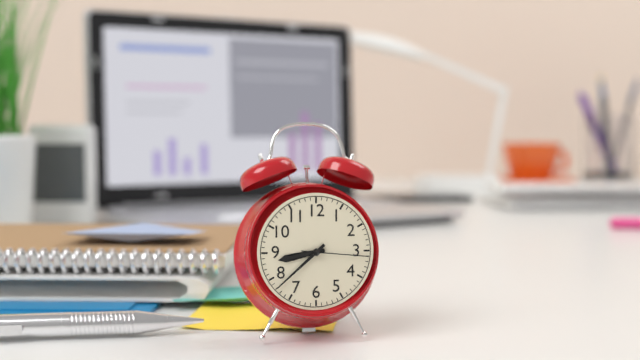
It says 8:38:16
